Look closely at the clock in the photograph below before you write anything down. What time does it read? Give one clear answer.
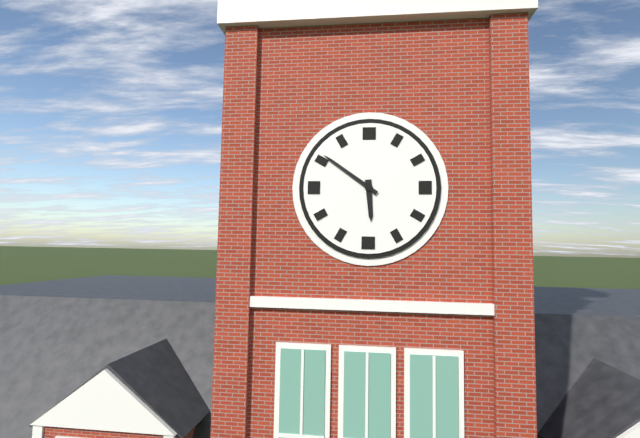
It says 5:51
